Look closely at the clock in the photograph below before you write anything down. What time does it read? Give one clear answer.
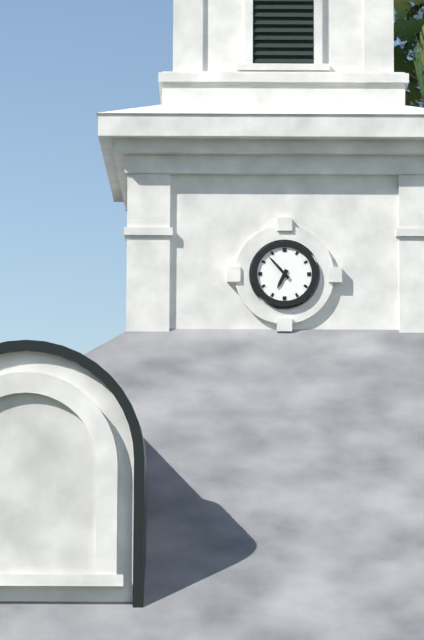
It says 6:53
